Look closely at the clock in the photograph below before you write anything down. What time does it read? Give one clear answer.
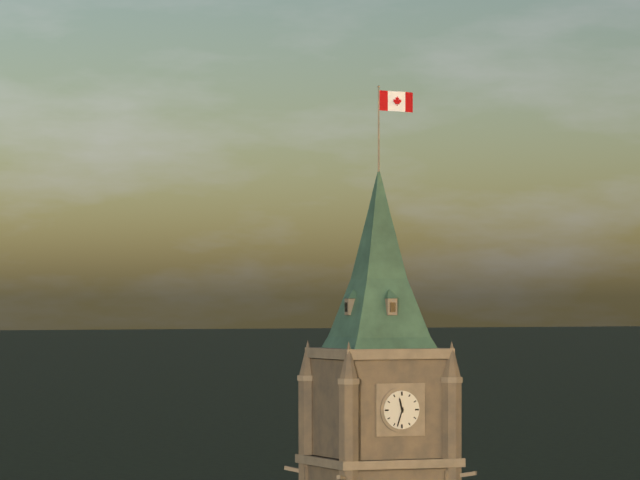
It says 11:33
